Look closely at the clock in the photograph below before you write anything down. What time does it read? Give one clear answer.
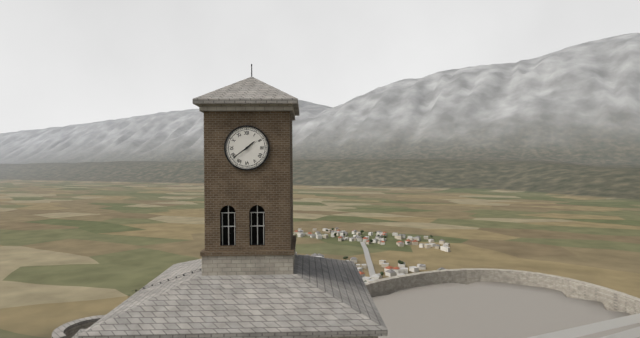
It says 1:39
